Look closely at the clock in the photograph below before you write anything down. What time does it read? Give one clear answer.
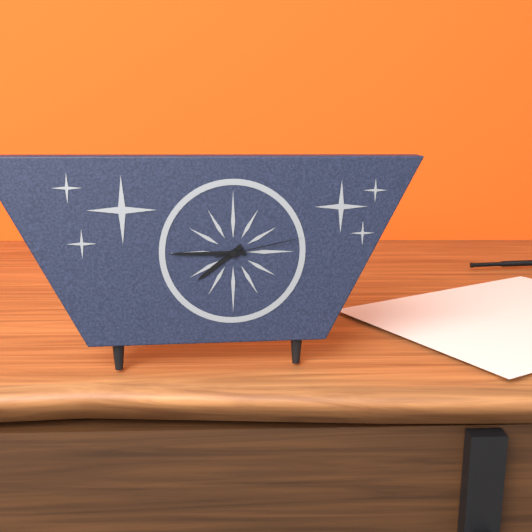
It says 7:45:13
